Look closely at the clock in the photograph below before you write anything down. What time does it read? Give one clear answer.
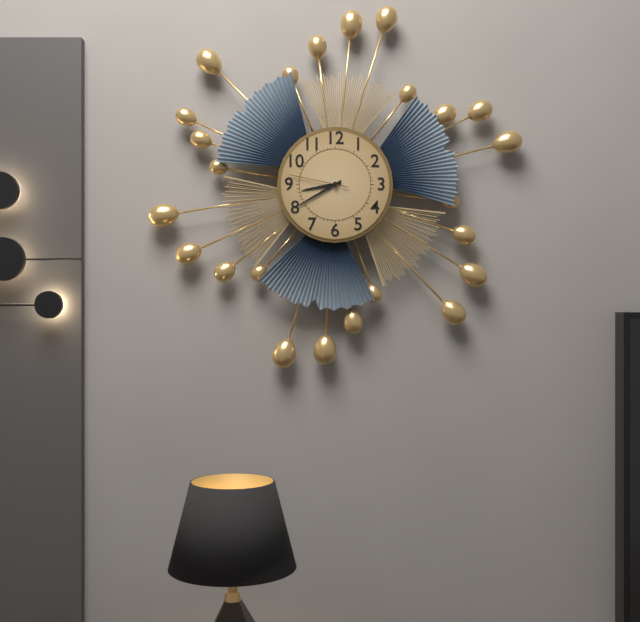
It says 8:40:47
